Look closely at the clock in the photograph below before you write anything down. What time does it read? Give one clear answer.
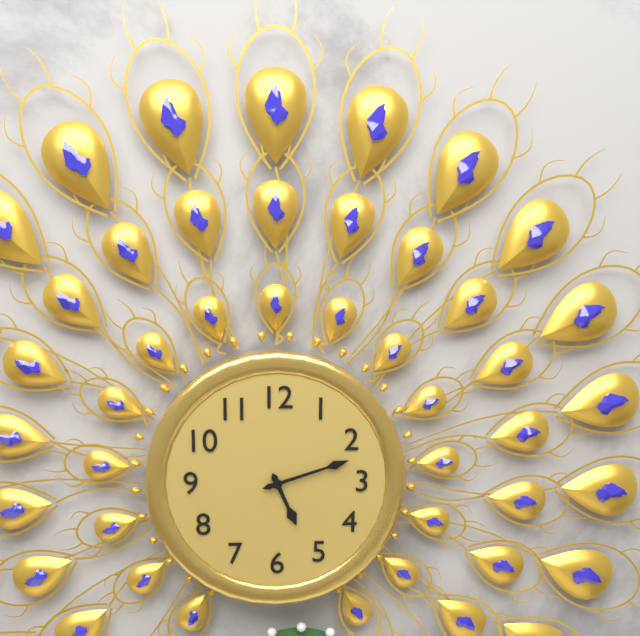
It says 5:12
